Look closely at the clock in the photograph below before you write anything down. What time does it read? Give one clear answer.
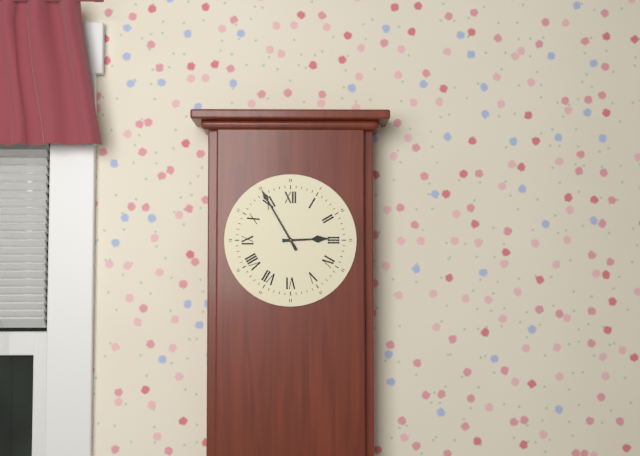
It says 2:55
